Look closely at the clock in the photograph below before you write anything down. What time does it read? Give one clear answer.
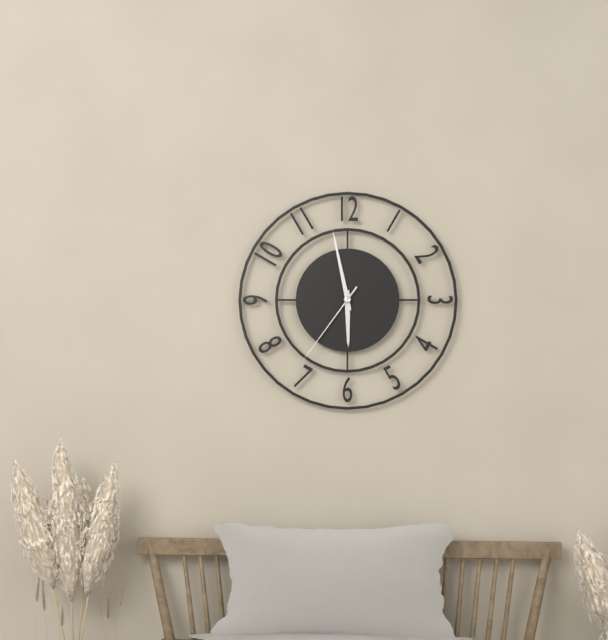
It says 5:58:36
